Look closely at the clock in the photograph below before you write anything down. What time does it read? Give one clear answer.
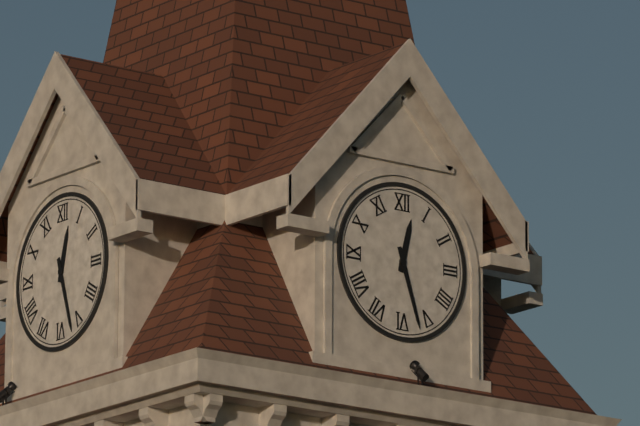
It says 12:27
